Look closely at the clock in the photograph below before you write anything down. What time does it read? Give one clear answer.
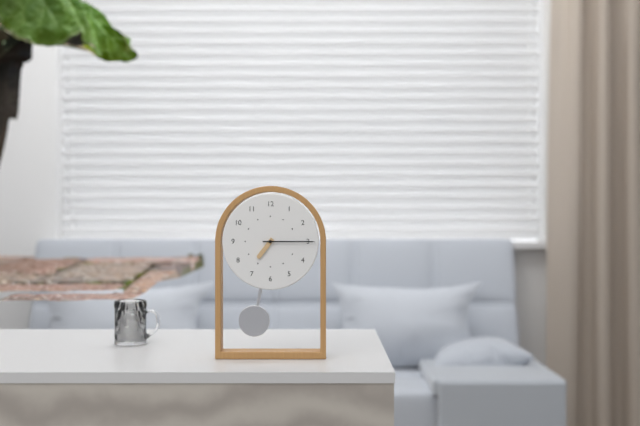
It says 7:15
